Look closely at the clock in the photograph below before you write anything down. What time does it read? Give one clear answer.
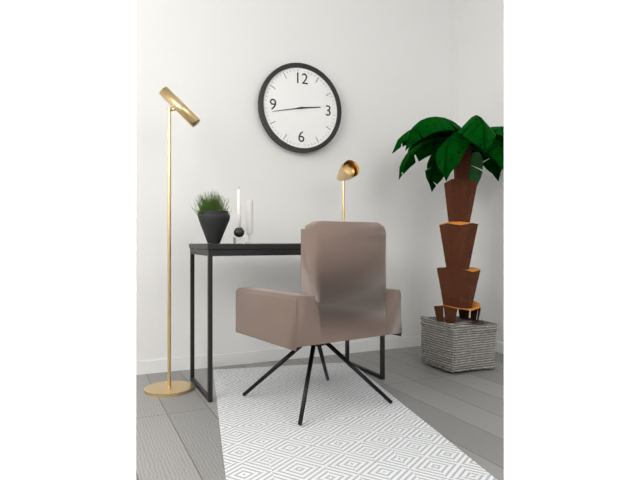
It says 2:43
